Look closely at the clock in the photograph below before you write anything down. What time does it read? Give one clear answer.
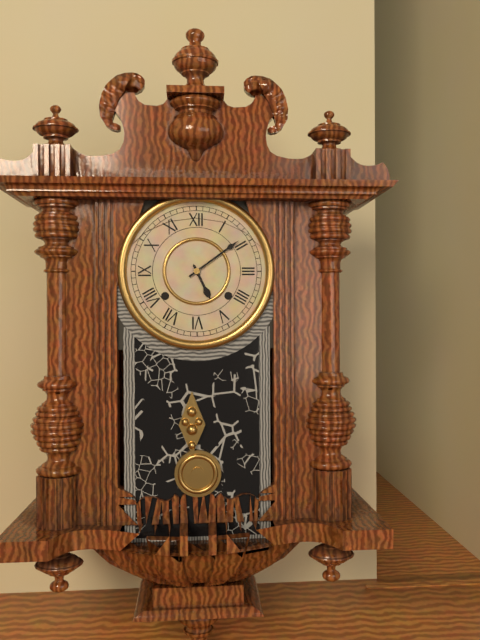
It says 5:09
